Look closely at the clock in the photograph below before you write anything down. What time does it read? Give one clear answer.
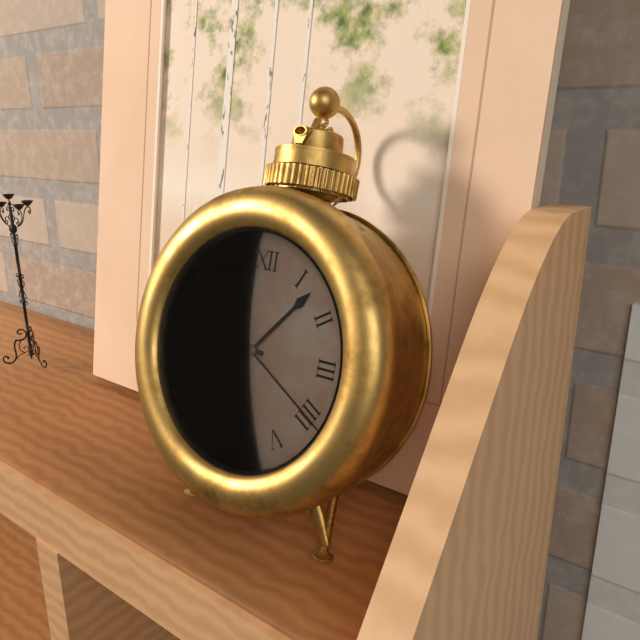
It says 9:07:20
